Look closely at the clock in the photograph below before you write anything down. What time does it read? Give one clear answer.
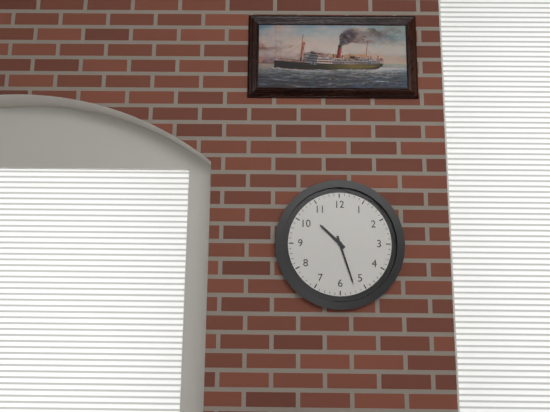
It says 10:27
